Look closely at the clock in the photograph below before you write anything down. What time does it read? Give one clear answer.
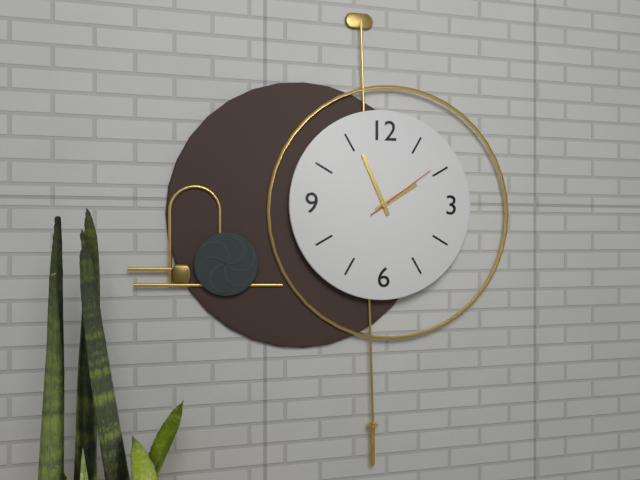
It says 1:56:09
